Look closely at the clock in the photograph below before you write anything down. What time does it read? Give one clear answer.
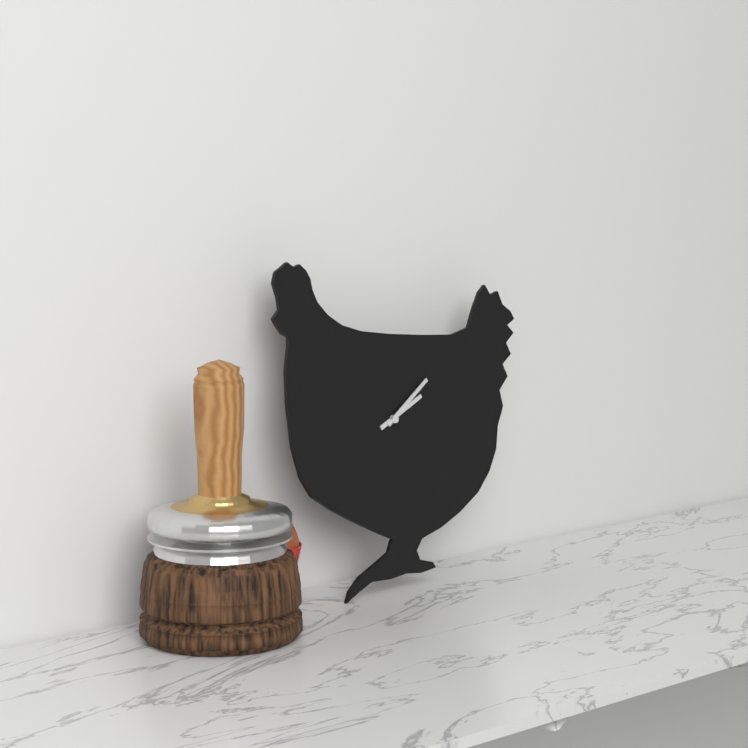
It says 2:09
